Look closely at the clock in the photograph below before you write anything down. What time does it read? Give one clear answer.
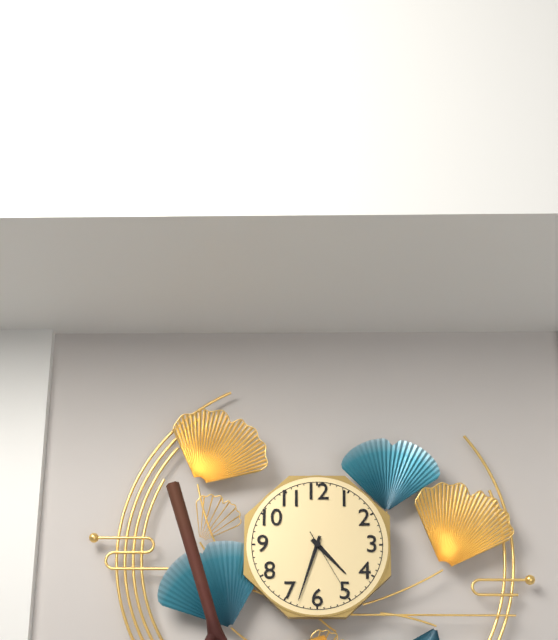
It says 4:33:25
